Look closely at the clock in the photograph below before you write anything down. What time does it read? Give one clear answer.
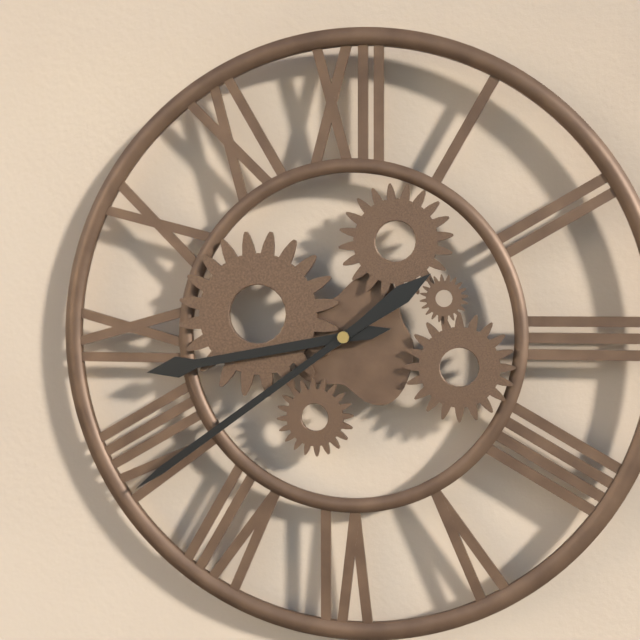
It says 8:39
